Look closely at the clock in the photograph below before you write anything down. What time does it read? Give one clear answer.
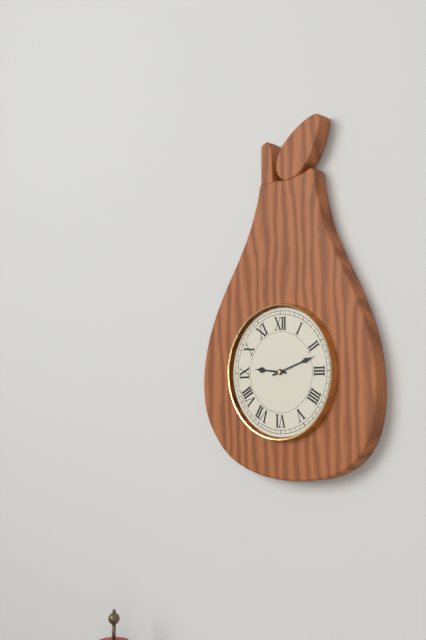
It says 9:12
